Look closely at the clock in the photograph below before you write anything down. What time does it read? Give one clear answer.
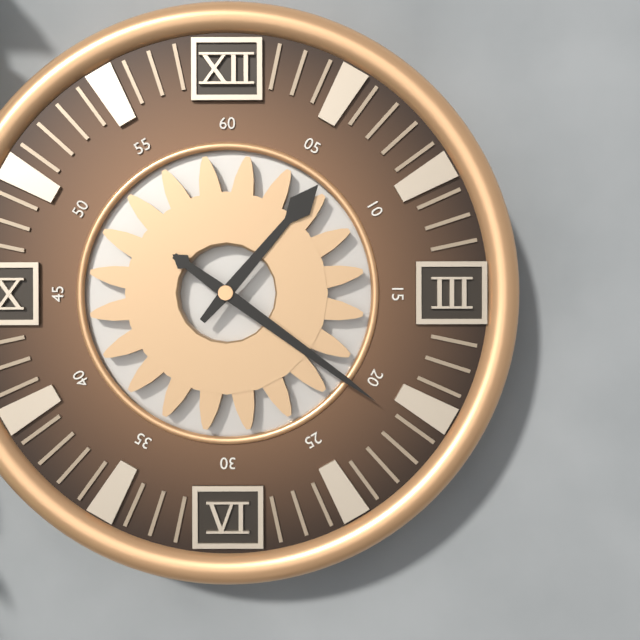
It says 1:21
